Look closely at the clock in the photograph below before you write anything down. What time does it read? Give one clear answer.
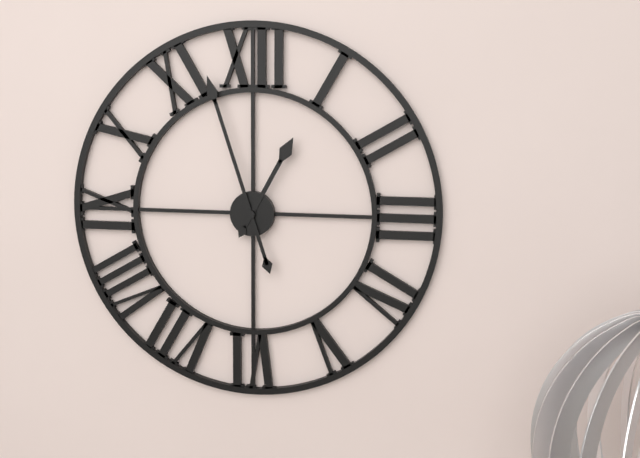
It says 12:57
